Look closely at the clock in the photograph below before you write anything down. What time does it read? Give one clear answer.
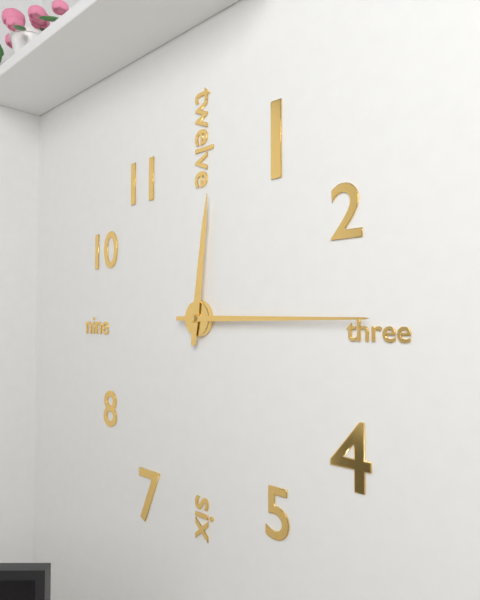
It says 12:15
